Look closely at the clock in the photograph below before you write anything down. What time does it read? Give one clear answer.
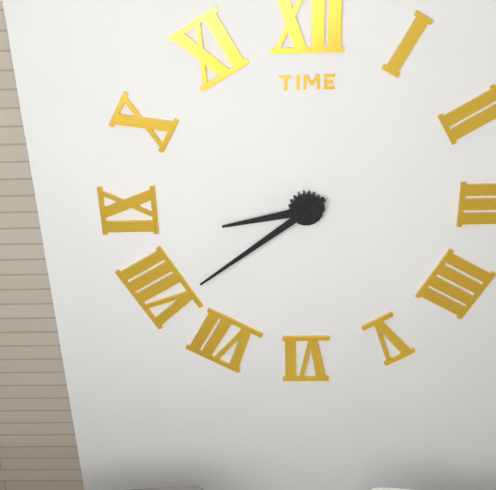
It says 8:39
